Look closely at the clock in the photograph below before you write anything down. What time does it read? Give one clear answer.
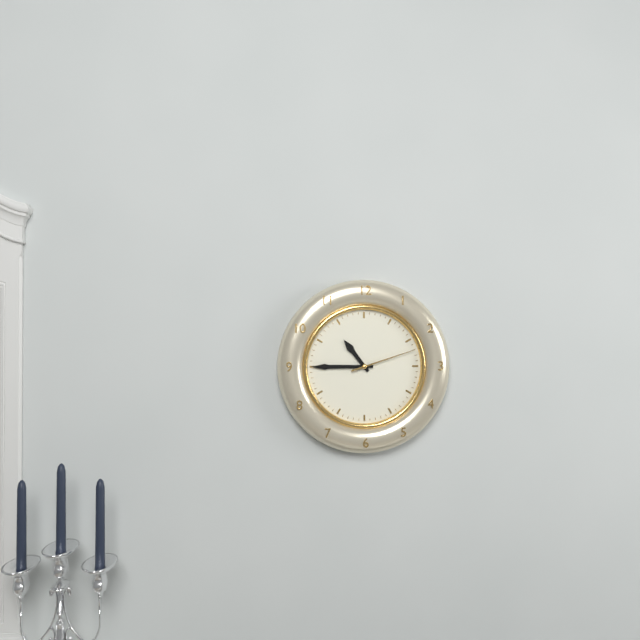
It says 10:45:12
